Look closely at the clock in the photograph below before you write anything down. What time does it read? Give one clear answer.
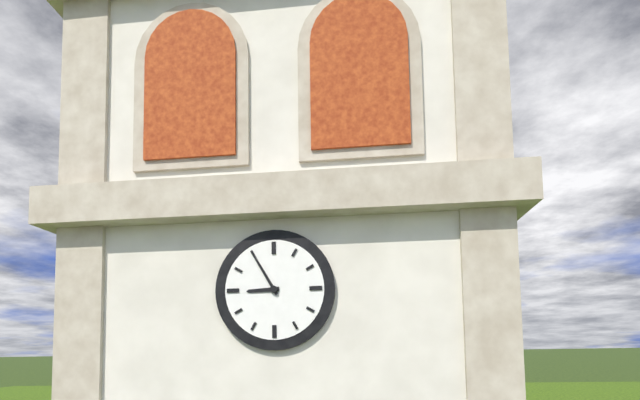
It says 8:55
